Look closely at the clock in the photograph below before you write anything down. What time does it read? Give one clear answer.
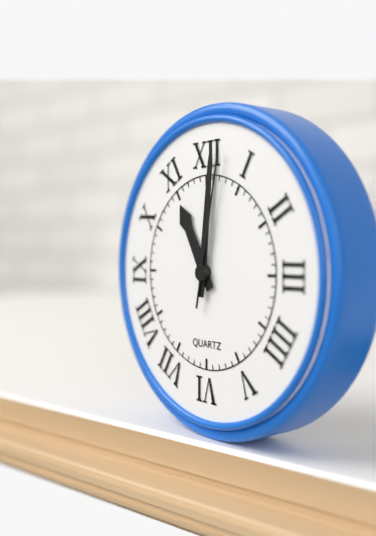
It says 11:01:02
